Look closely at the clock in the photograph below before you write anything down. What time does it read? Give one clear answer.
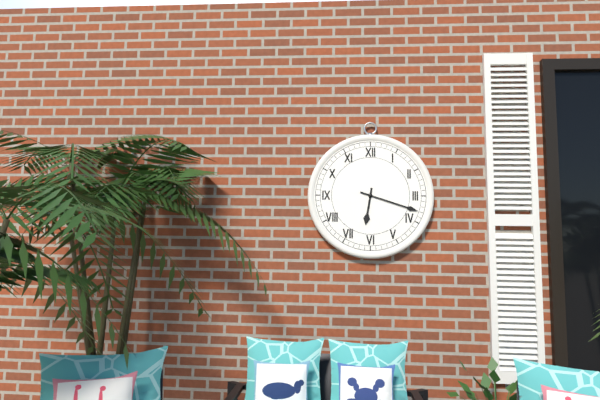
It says 6:18
